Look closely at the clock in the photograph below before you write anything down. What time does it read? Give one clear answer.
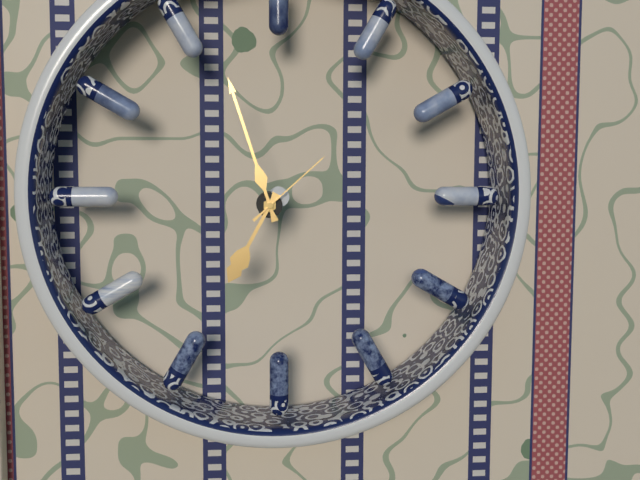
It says 6:57:08
